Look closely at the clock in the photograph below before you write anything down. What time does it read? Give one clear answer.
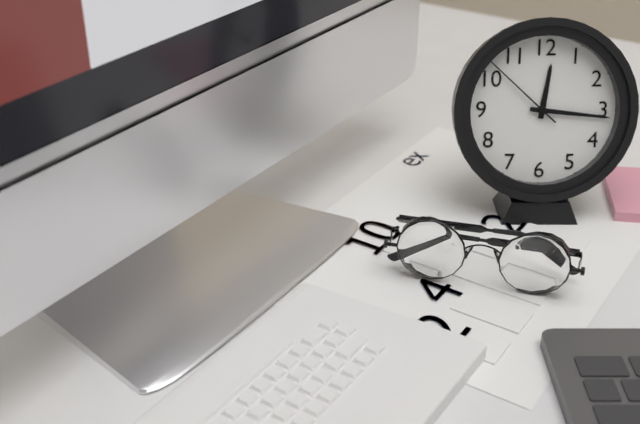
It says 12:16:52
